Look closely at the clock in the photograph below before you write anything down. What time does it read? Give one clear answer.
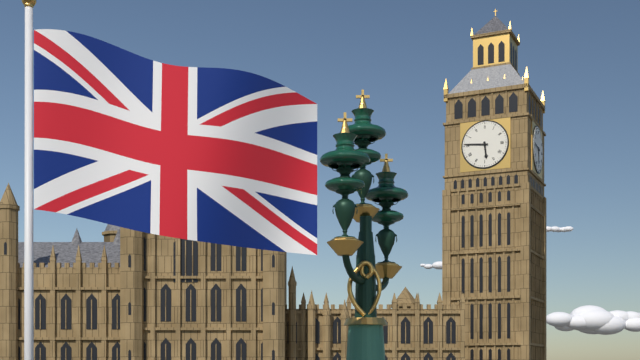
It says 5:46
